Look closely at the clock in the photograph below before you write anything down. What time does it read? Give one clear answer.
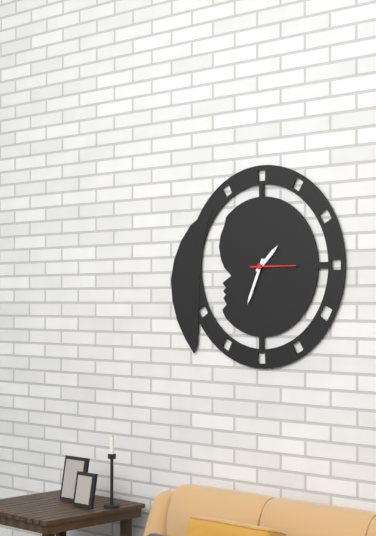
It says 1:34
